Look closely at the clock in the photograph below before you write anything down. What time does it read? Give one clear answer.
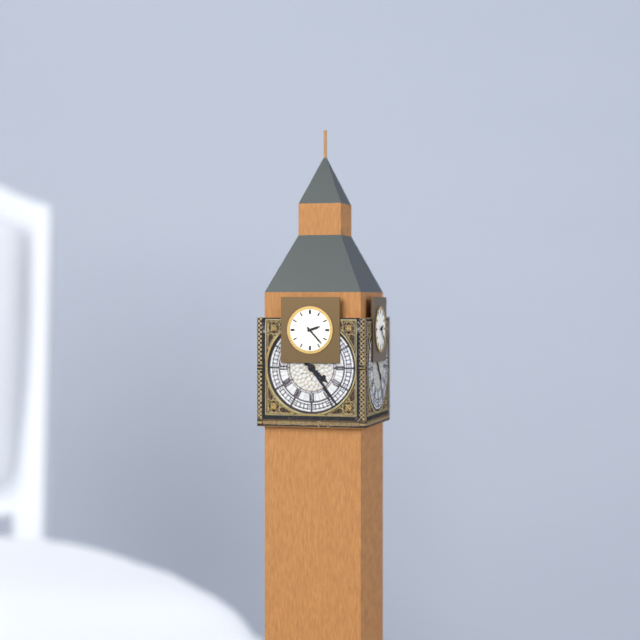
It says 2:23
